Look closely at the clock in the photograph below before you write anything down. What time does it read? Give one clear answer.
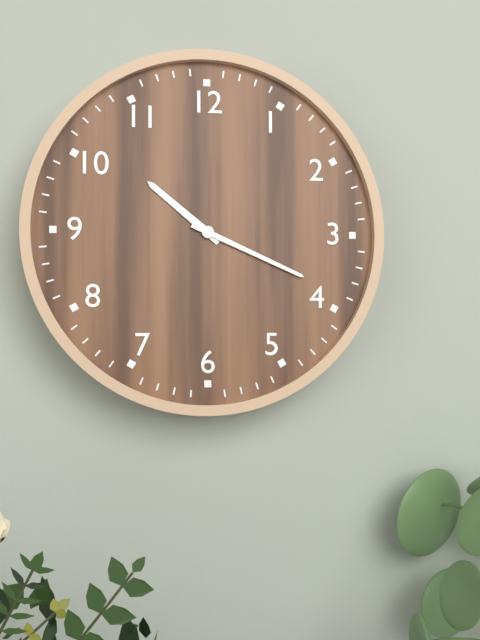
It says 10:19
